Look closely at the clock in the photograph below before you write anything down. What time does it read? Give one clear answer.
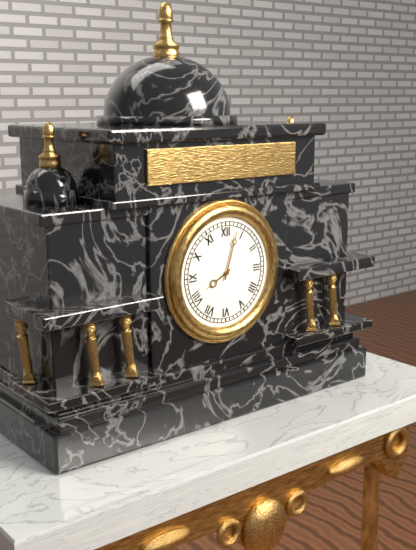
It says 8:03
